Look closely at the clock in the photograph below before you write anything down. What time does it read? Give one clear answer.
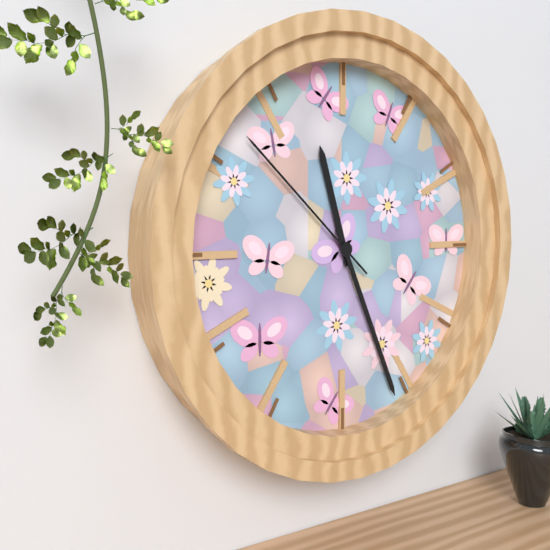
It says 11:26:52
